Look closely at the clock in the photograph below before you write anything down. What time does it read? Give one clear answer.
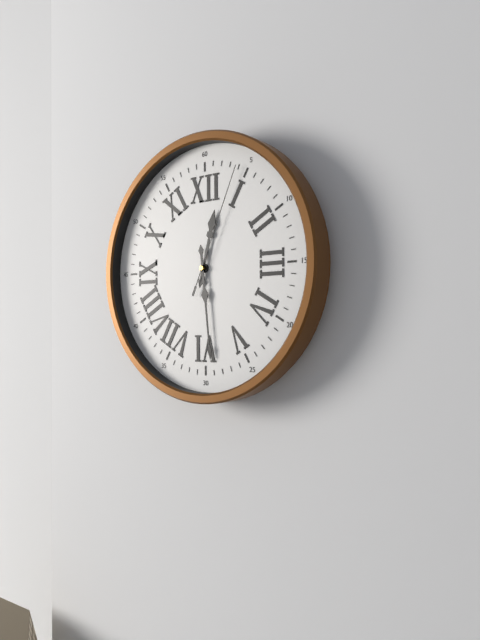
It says 12:29:04
